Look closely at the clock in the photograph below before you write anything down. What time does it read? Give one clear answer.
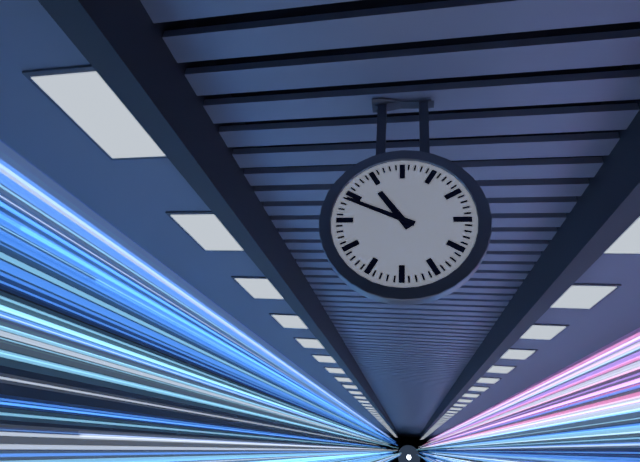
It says 10:49
